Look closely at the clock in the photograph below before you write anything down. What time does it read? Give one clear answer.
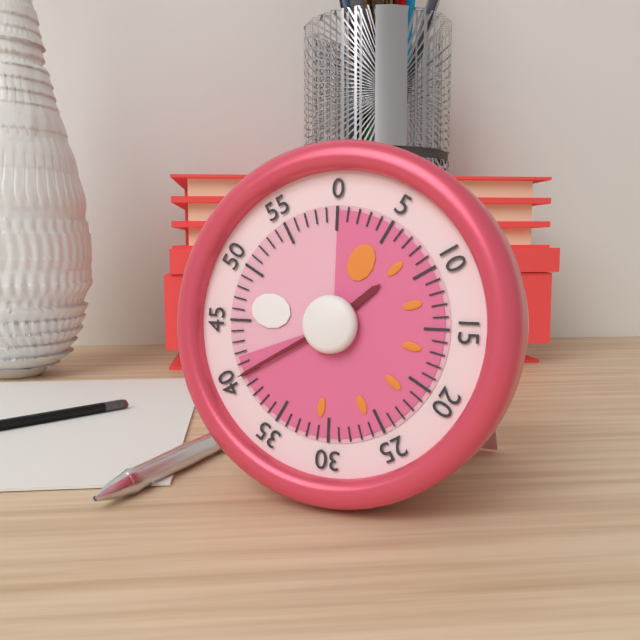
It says 1:40
